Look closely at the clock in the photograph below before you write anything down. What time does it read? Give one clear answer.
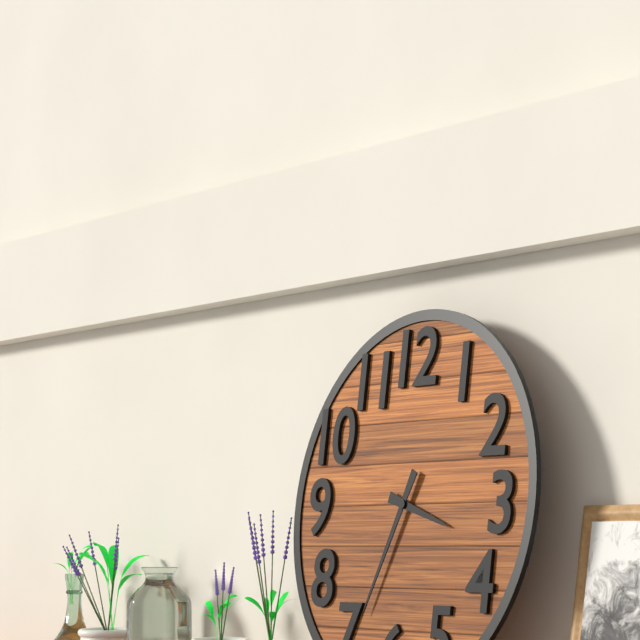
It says 3:34
